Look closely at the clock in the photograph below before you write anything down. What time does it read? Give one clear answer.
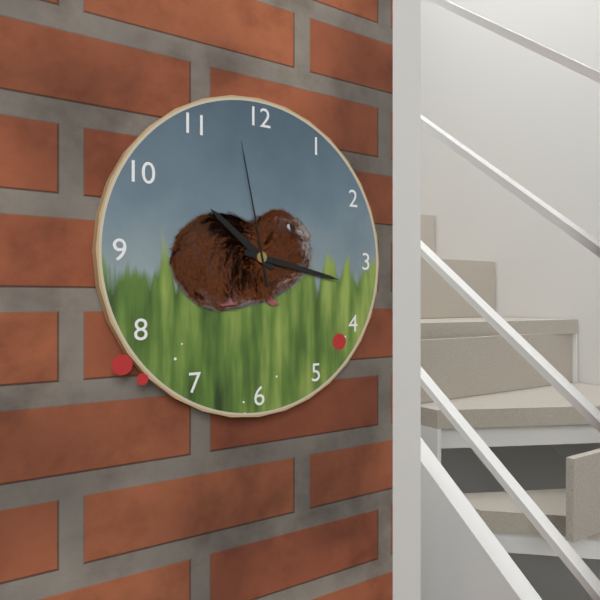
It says 10:17:58
